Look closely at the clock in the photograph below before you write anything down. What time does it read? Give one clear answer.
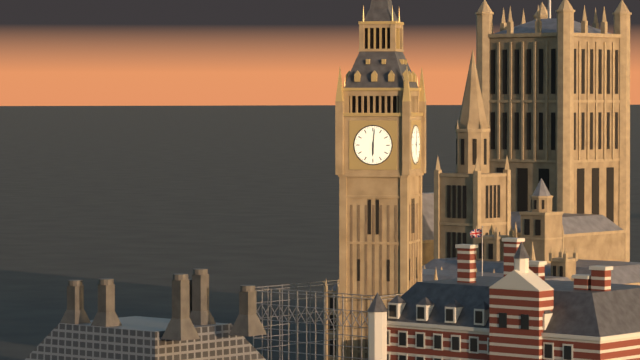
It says 6:01
